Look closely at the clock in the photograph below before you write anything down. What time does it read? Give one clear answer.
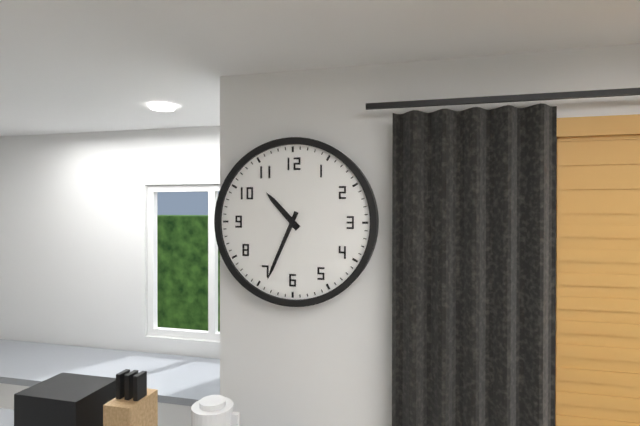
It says 10:34
